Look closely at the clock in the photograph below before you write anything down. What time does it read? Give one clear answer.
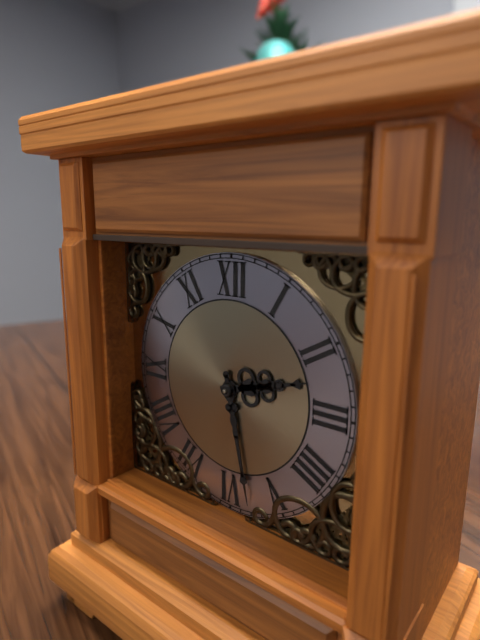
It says 2:28
